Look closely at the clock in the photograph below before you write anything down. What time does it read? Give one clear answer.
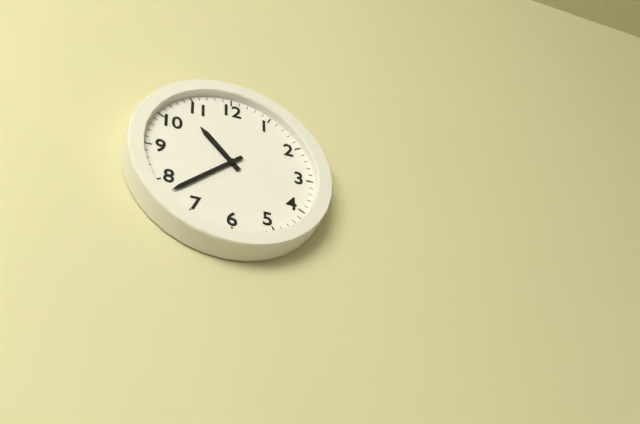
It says 10:38
